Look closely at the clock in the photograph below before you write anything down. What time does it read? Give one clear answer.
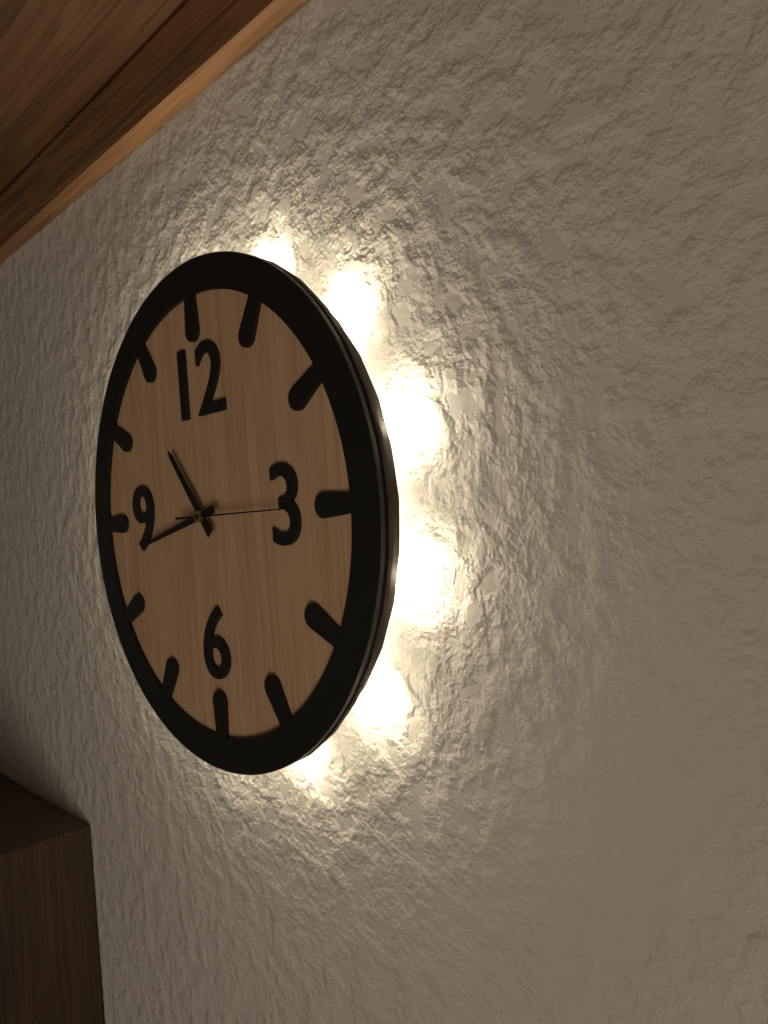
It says 10:43:15
